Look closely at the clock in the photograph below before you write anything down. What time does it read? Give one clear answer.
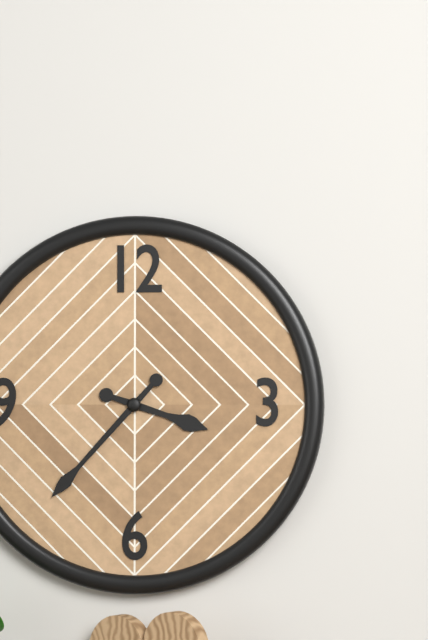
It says 3:37
